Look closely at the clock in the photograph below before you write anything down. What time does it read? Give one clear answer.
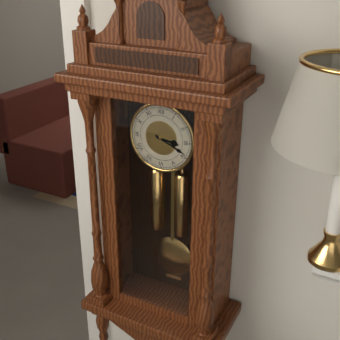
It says 3:19
